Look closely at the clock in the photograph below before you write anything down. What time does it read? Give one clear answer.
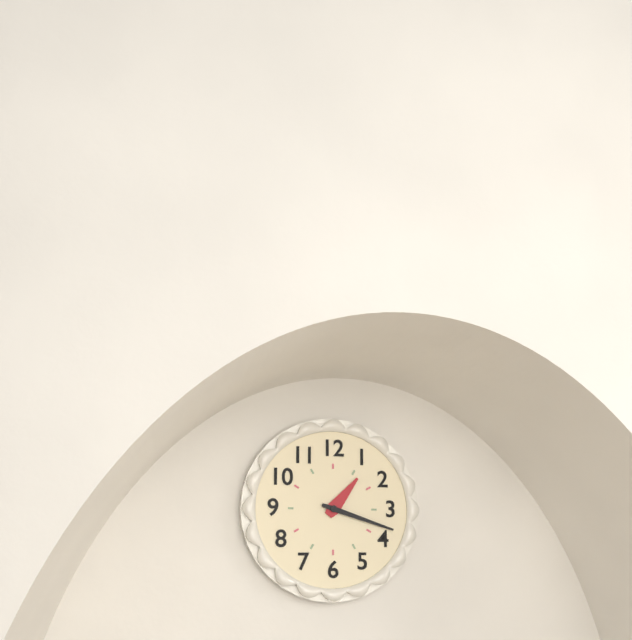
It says 1:18
